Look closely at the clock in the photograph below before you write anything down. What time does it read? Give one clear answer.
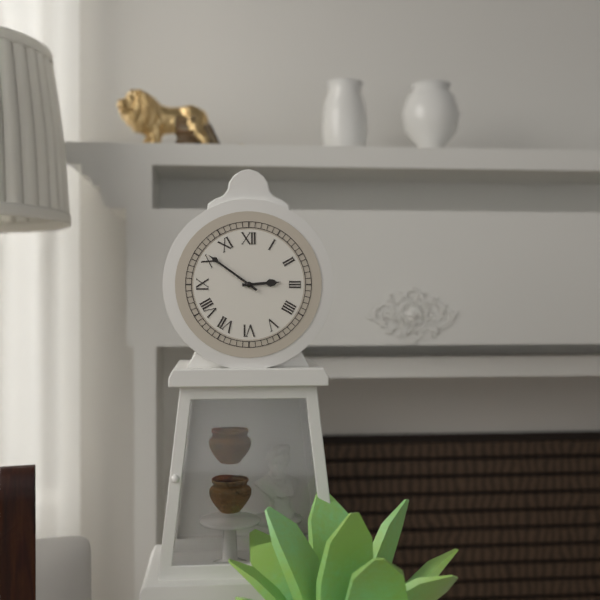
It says 2:51
